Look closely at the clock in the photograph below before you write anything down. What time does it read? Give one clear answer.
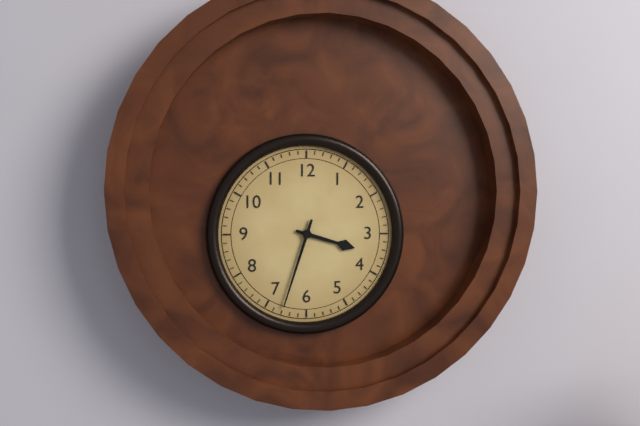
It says 3:33
